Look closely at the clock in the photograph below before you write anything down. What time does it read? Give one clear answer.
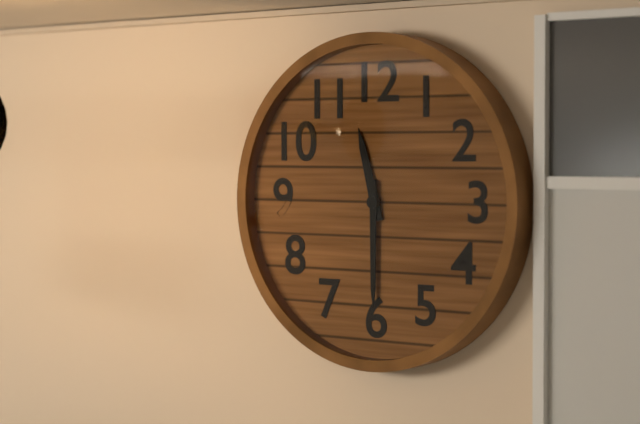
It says 11:30
